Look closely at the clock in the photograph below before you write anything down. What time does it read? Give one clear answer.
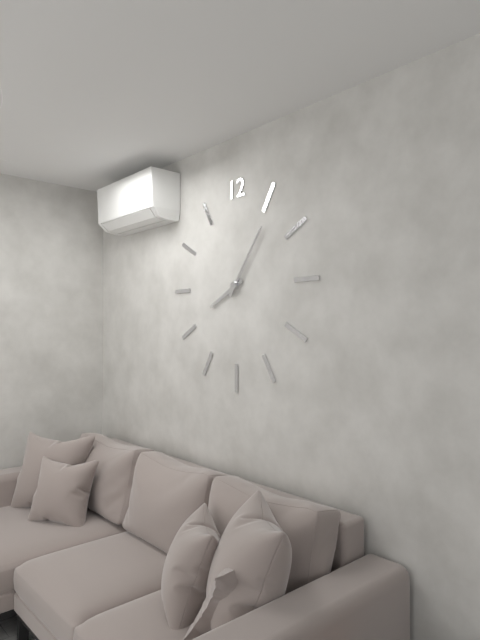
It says 8:06
